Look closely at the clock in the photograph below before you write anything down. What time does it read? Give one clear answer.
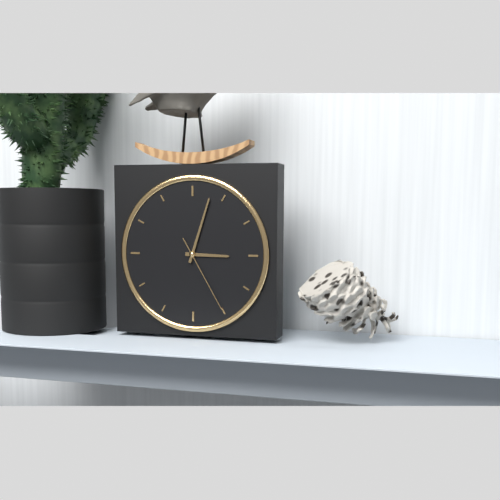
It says 3:03:25
